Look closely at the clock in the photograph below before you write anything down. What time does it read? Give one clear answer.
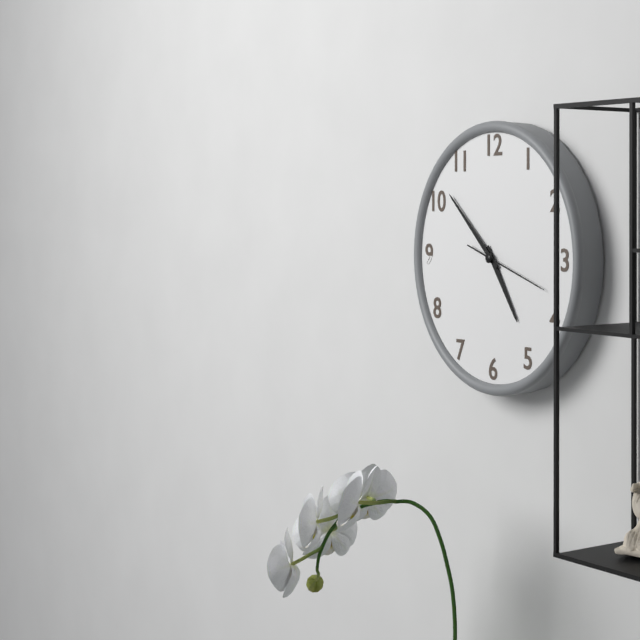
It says 4:52:18
